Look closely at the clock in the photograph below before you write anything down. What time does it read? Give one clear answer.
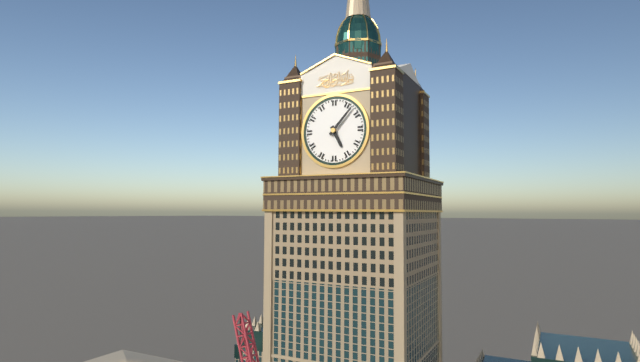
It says 5:07
